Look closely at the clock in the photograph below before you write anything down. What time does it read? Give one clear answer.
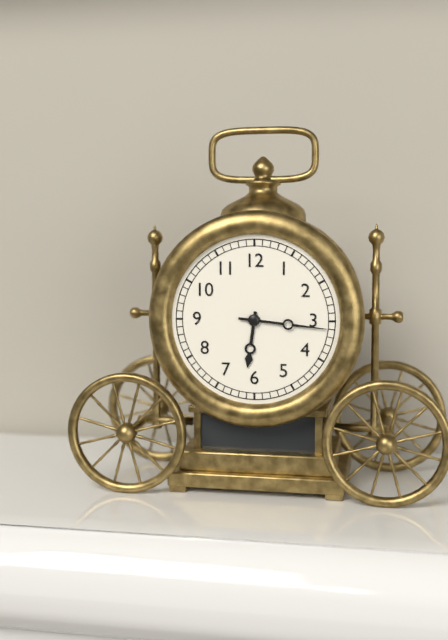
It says 6:16
